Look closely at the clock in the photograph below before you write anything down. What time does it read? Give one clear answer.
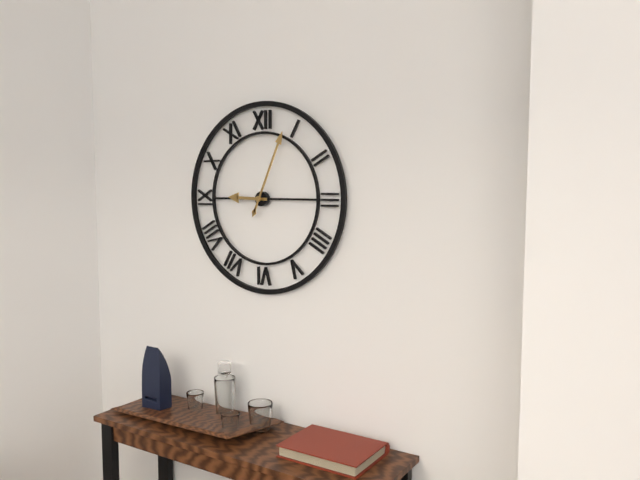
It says 9:04
